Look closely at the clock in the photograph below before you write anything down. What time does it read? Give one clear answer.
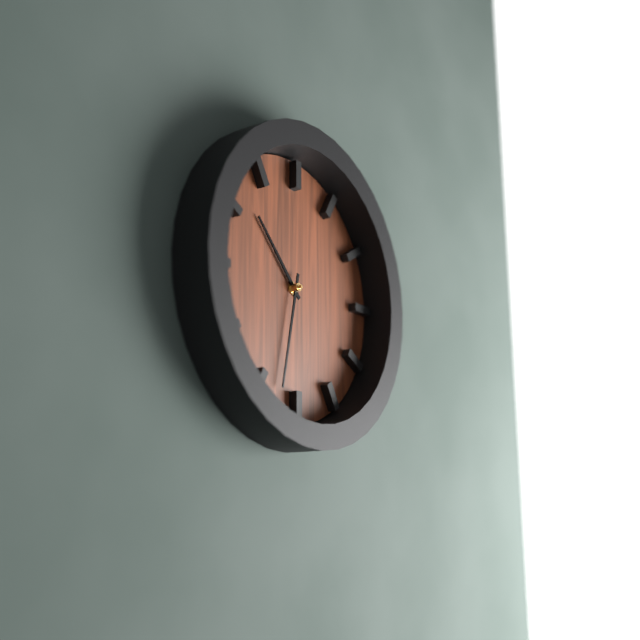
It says 10:32
